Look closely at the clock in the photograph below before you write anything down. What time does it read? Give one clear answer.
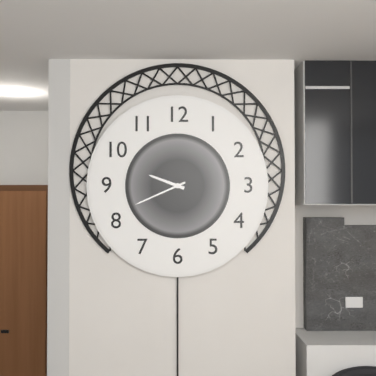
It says 9:41
